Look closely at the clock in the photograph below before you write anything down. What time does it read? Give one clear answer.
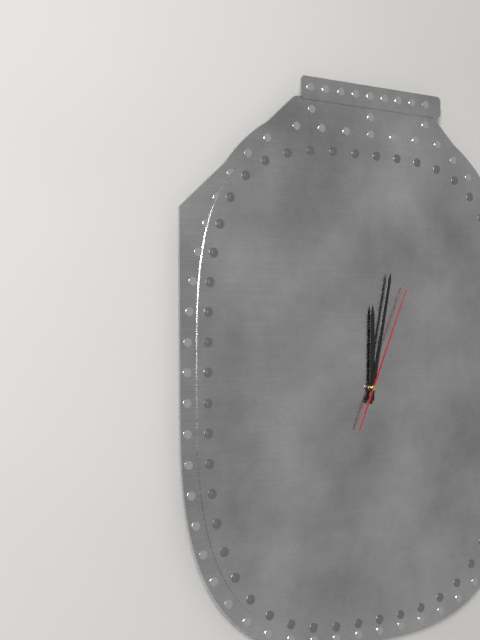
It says 12:02:04
